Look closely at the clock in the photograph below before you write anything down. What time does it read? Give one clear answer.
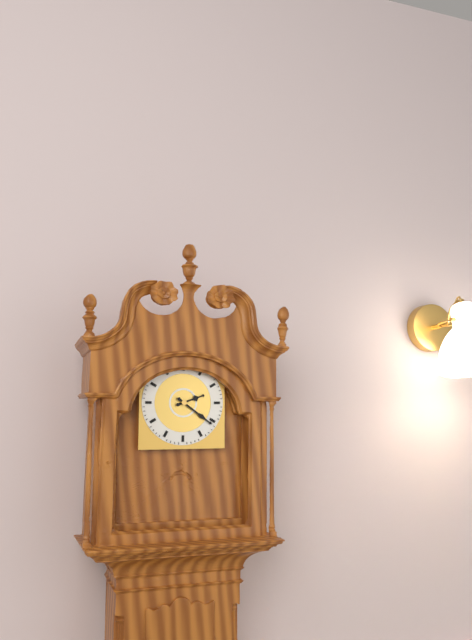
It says 2:21
